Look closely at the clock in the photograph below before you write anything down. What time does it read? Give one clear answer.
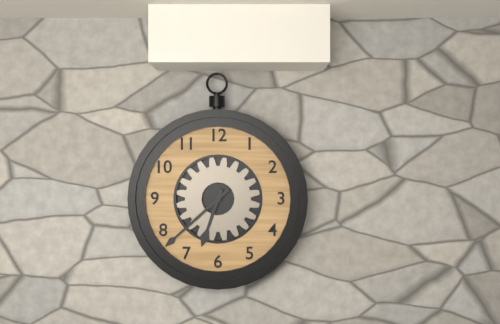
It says 6:38
